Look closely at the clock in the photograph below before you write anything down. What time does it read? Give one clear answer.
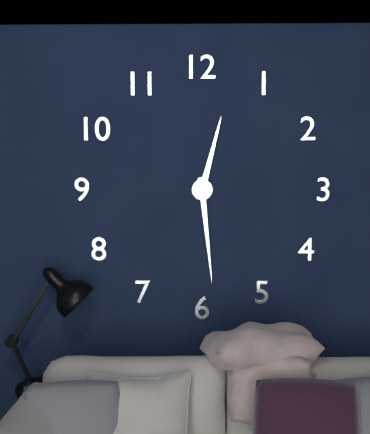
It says 12:29
